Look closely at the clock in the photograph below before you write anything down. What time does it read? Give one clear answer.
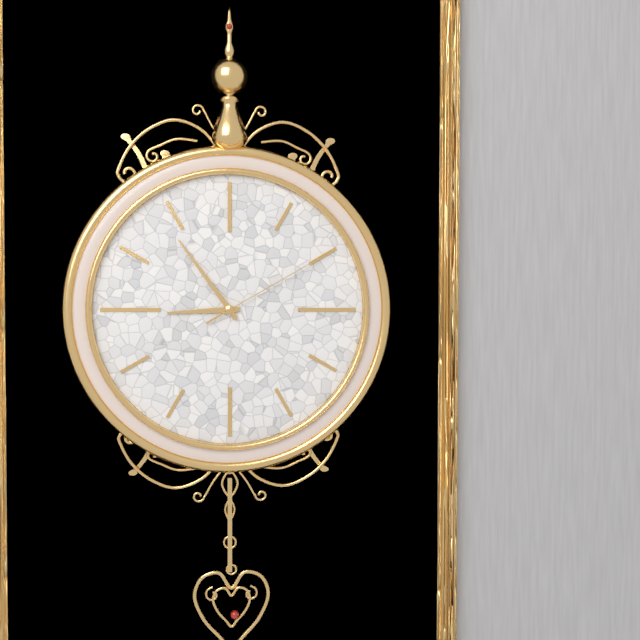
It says 8:54:10
